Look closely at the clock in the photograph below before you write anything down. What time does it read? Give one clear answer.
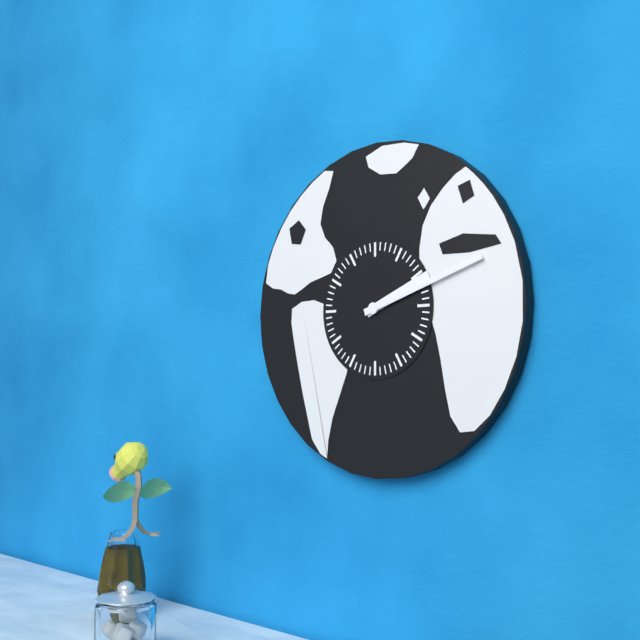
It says 2:12
